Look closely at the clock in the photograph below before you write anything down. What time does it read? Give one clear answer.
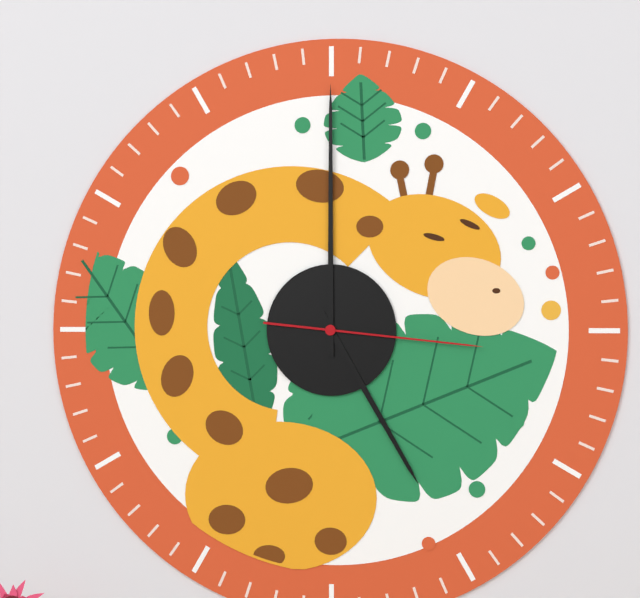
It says 5:00:16
